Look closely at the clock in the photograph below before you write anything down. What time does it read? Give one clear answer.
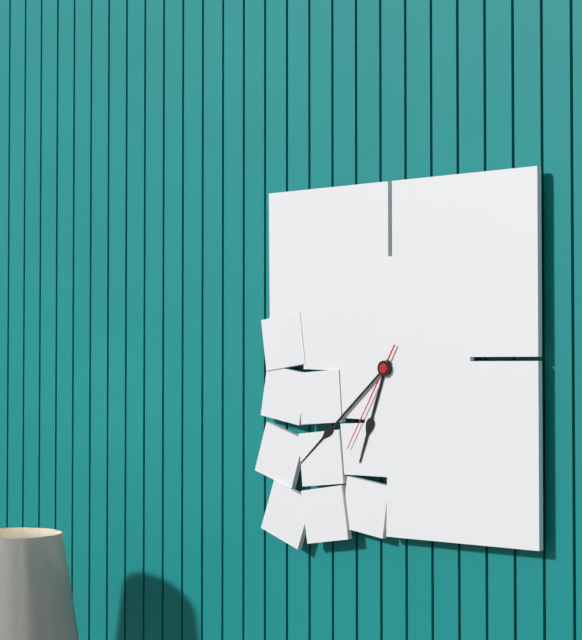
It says 6:38:35
